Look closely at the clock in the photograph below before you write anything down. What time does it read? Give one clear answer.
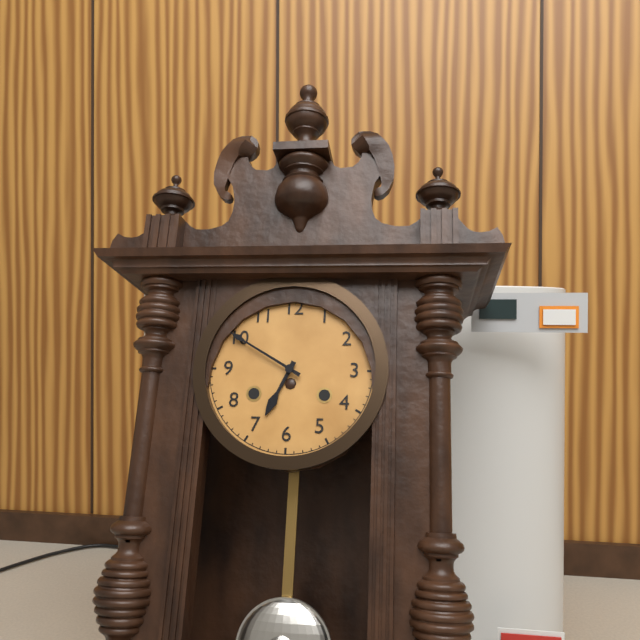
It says 6:50
